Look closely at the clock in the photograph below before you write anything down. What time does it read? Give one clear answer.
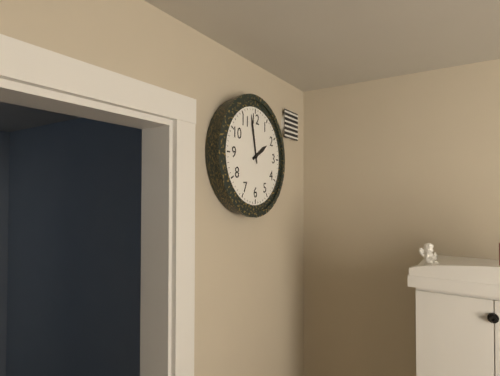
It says 1:58
